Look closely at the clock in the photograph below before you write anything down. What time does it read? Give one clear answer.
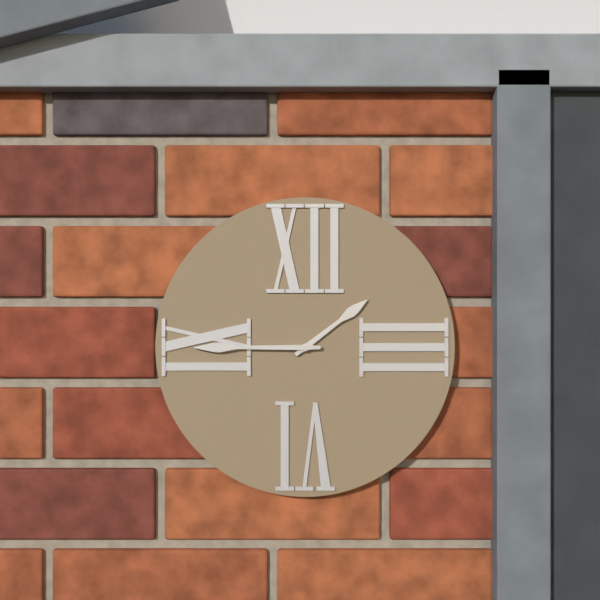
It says 1:45
